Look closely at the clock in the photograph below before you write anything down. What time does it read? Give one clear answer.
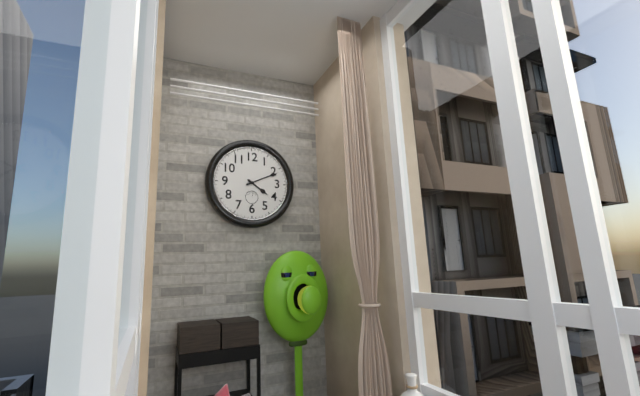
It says 4:11
